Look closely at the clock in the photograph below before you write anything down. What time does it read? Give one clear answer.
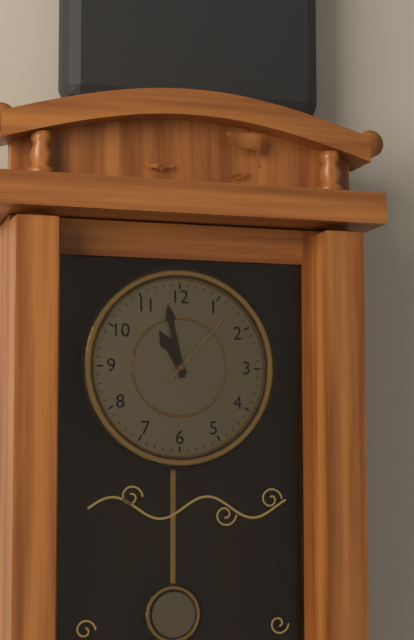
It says 10:58:07
